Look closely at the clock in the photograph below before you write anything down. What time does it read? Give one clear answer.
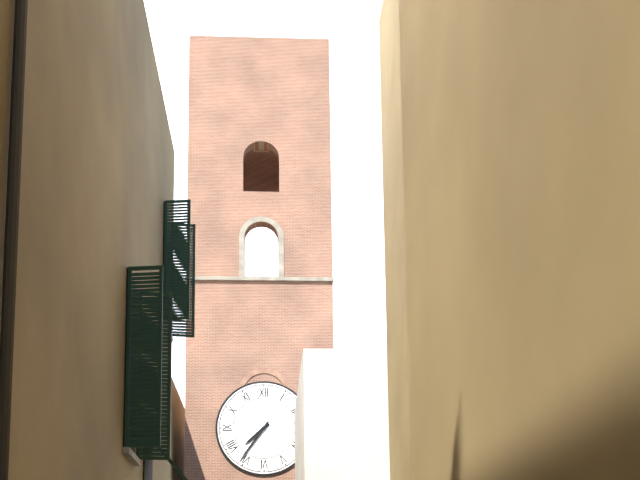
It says 7:36
